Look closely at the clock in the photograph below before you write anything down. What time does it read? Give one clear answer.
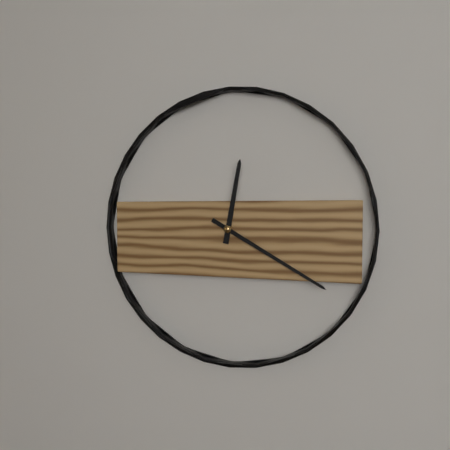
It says 12:20
